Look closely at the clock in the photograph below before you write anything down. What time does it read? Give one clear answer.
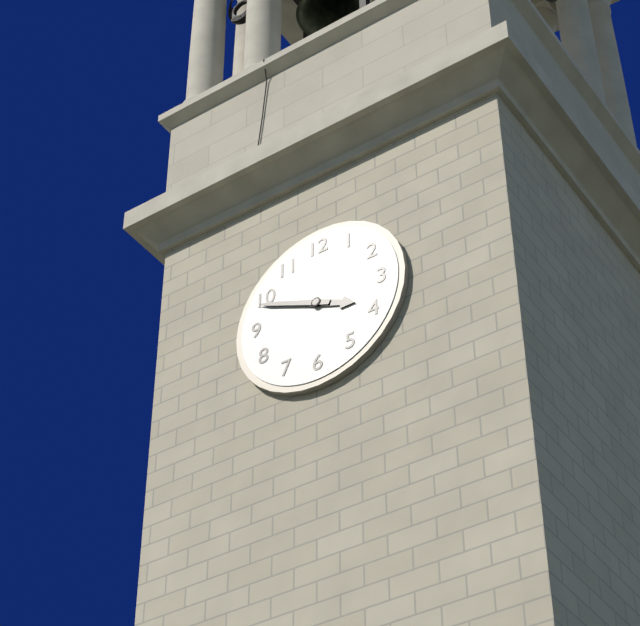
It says 3:49
